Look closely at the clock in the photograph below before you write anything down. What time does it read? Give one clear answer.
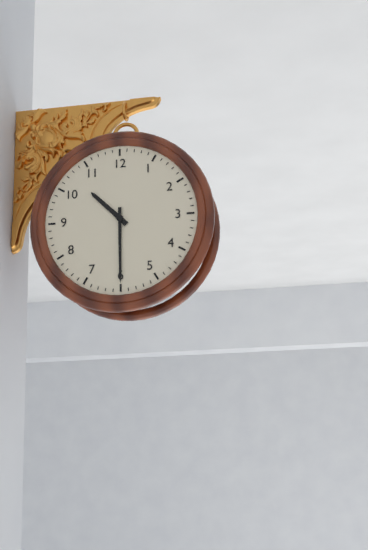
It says 10:30
